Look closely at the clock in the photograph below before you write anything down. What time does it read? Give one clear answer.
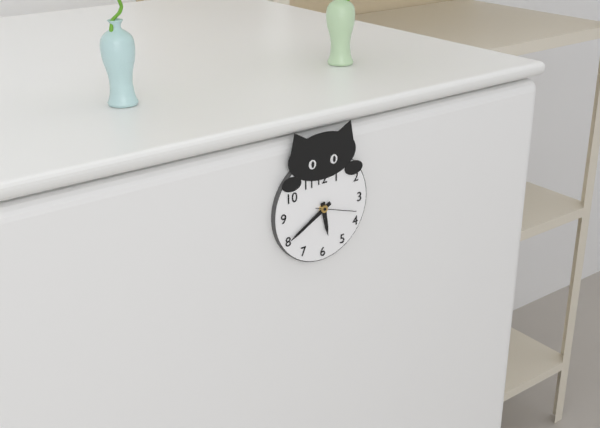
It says 5:40
